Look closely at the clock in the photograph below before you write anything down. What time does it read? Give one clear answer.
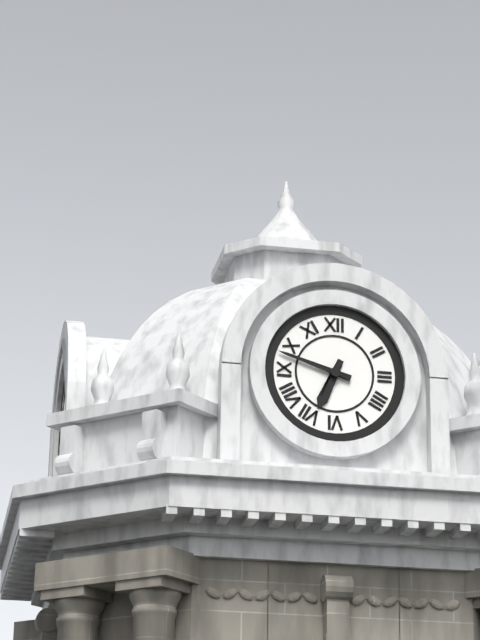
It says 6:48
